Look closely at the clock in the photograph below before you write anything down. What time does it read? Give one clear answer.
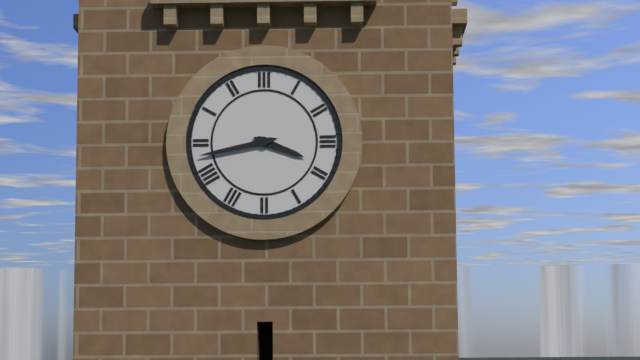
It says 3:43
